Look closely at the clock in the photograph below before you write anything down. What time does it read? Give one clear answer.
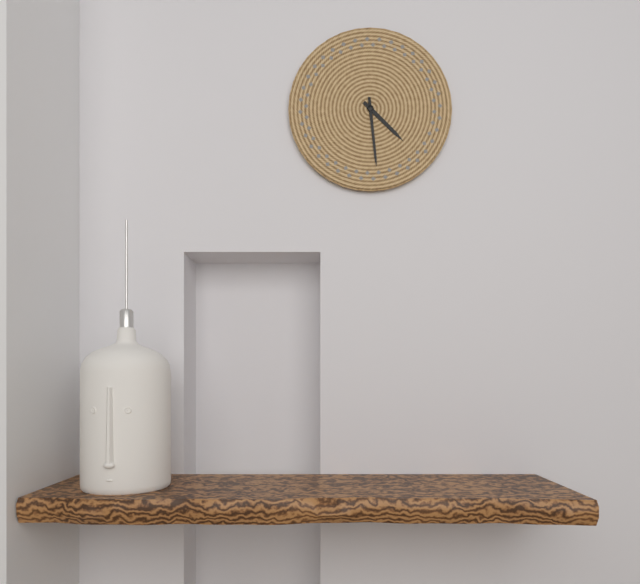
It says 4:29
